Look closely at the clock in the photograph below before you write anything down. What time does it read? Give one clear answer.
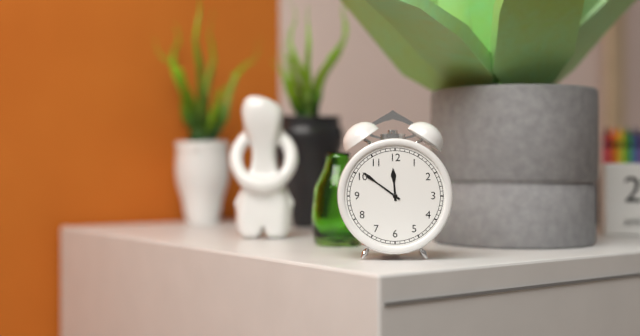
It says 11:51
